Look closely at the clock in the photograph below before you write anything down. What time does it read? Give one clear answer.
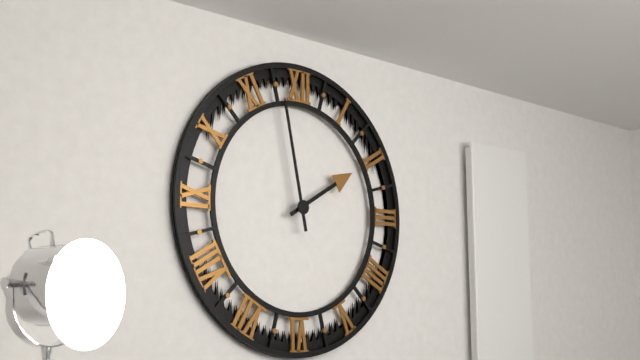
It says 1:58
